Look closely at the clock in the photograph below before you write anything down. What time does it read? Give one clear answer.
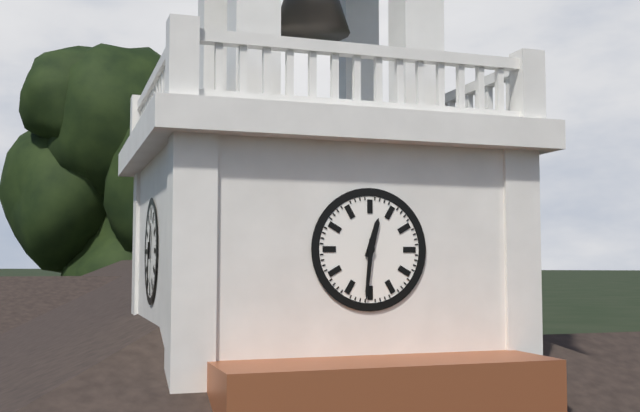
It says 12:31
